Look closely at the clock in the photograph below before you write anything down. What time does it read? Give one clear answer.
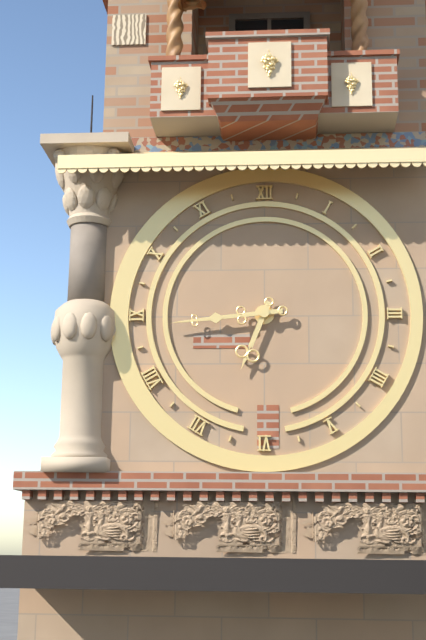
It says 6:44
